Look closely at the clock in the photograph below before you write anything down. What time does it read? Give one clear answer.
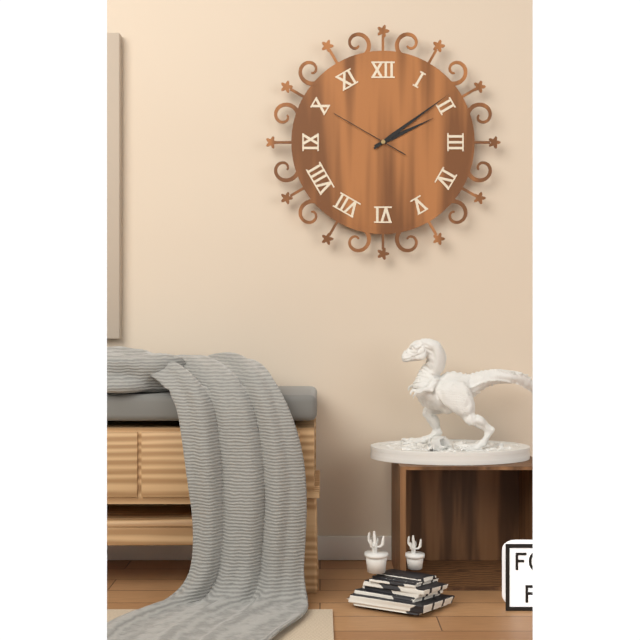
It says 2:09:50
